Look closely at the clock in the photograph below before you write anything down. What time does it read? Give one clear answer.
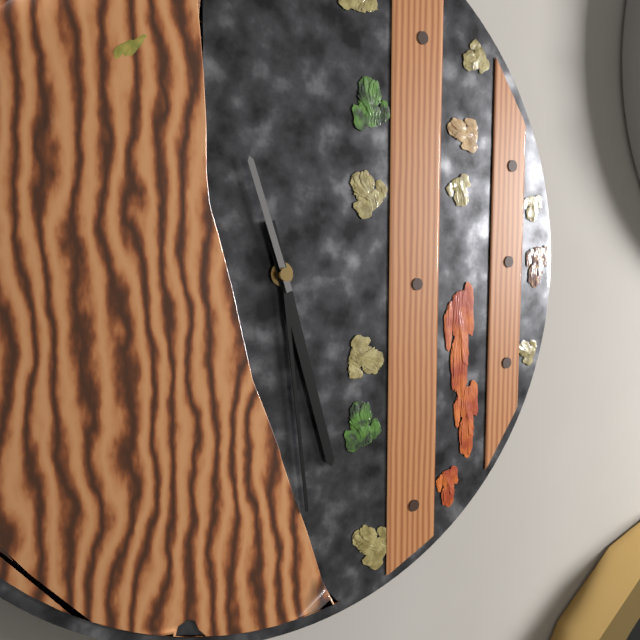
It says 5:29:57
